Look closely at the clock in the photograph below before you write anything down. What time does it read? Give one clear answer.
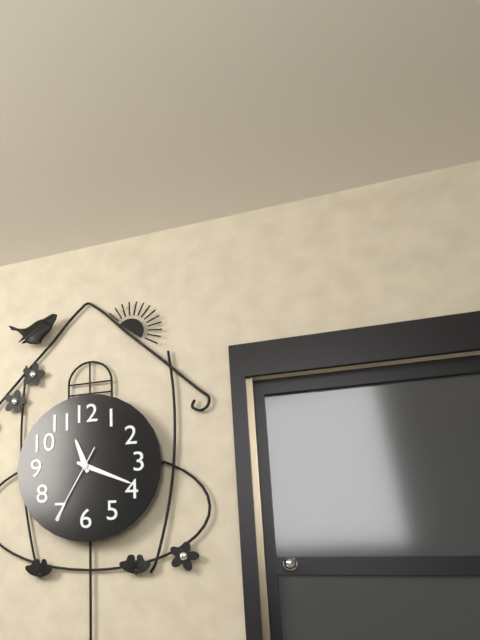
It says 11:19:35
